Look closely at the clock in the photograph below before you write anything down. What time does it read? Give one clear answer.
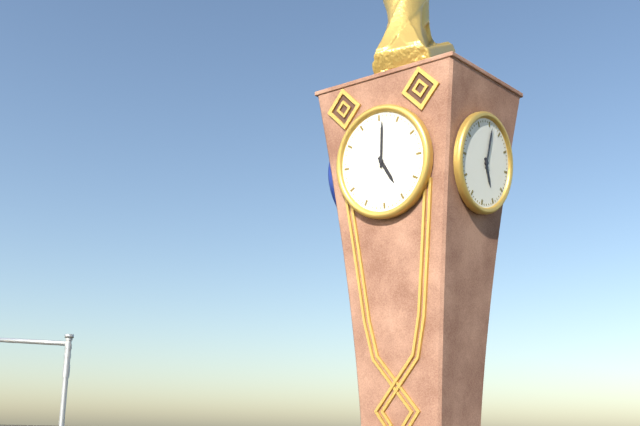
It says 5:01
